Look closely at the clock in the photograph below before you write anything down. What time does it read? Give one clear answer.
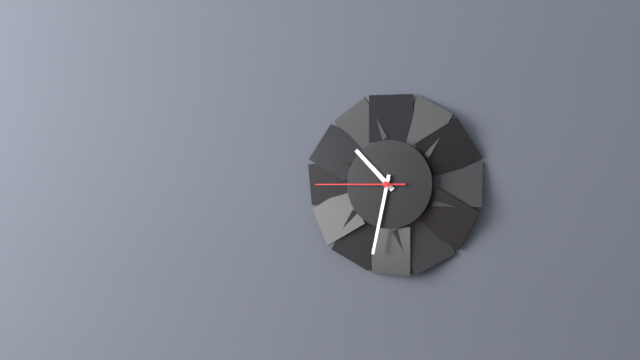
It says 10:32:45
